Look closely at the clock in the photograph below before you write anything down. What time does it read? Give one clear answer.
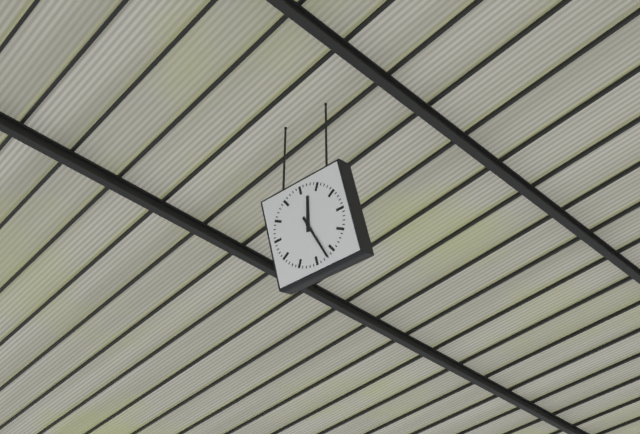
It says 12:27
